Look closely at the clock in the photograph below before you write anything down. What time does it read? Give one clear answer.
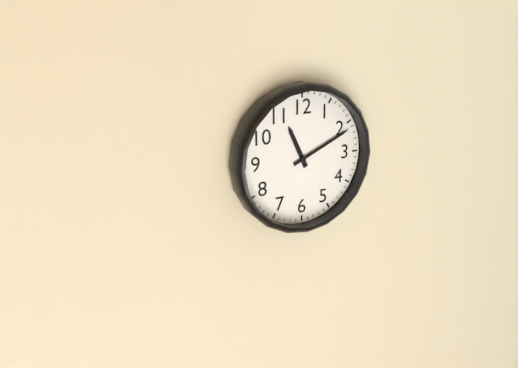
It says 11:11
